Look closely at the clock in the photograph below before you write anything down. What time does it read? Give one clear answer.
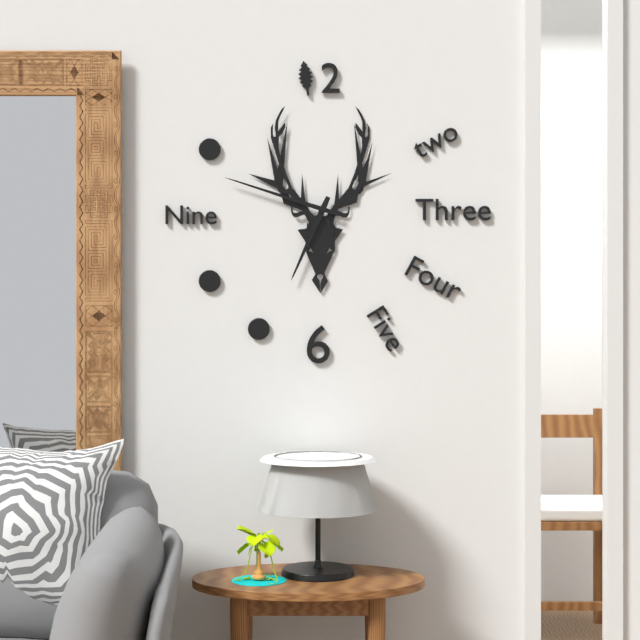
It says 6:48
